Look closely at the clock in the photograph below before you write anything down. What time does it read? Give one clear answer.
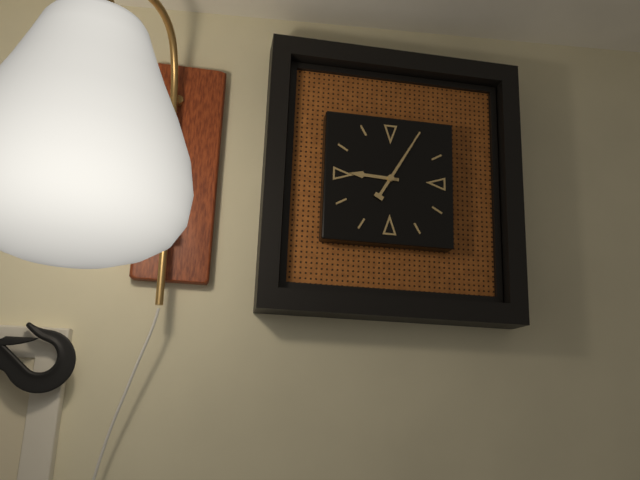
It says 9:05
